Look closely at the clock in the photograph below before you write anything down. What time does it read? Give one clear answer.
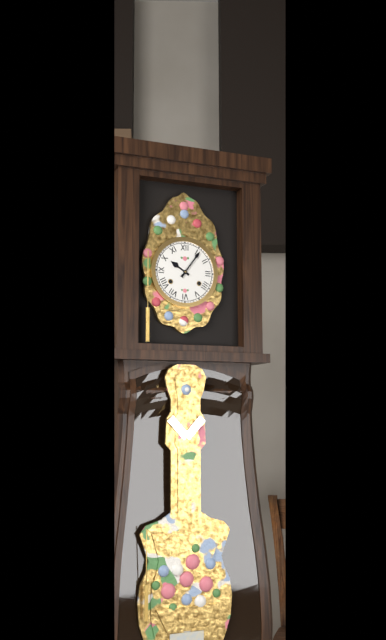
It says 10:06
